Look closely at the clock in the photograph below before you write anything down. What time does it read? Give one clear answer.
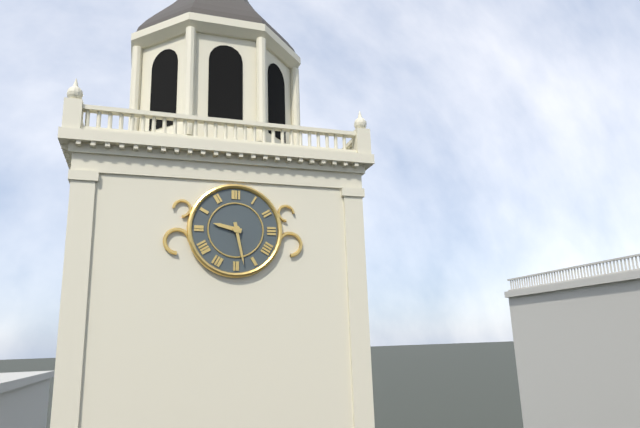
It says 9:28
